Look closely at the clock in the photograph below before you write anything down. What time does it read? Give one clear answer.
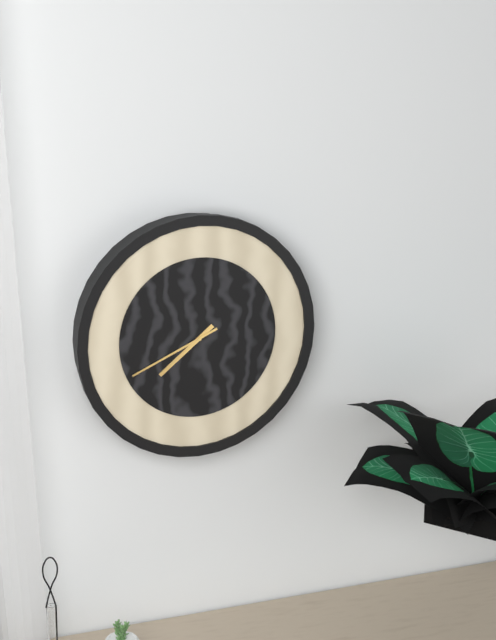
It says 7:41
